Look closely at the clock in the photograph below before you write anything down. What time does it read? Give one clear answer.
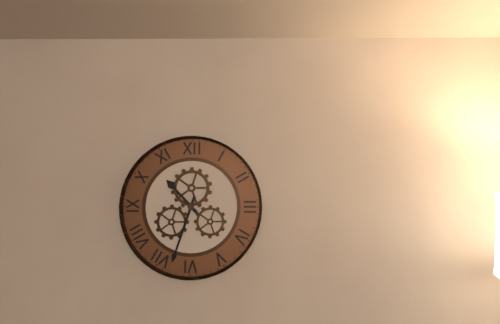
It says 10:33
